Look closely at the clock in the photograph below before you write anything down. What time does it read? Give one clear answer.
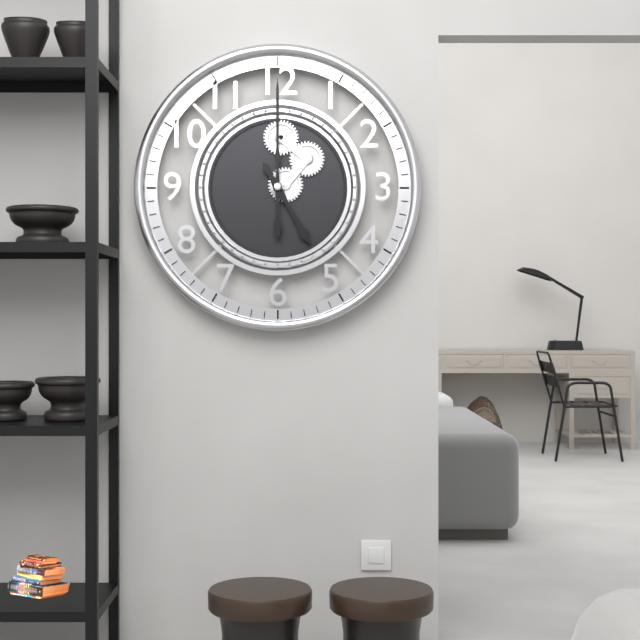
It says 5:00
